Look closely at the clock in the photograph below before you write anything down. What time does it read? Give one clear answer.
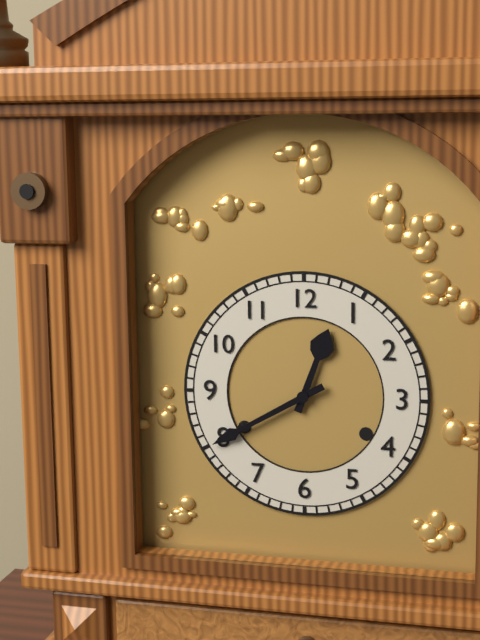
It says 12:40
